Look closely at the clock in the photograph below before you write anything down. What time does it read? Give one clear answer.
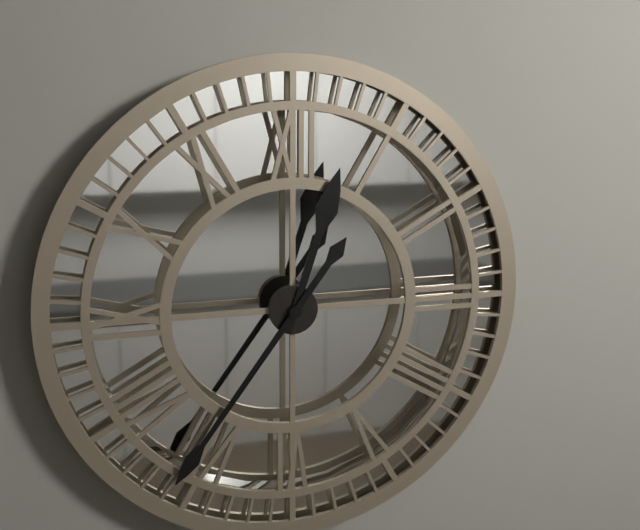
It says 12:36
